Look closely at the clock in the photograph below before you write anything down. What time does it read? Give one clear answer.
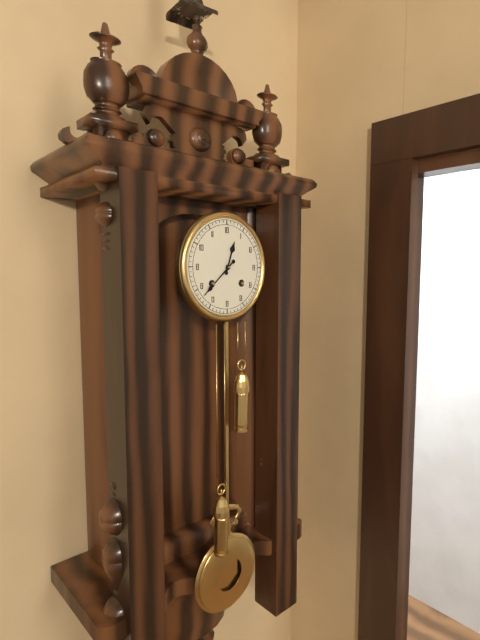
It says 12:38
